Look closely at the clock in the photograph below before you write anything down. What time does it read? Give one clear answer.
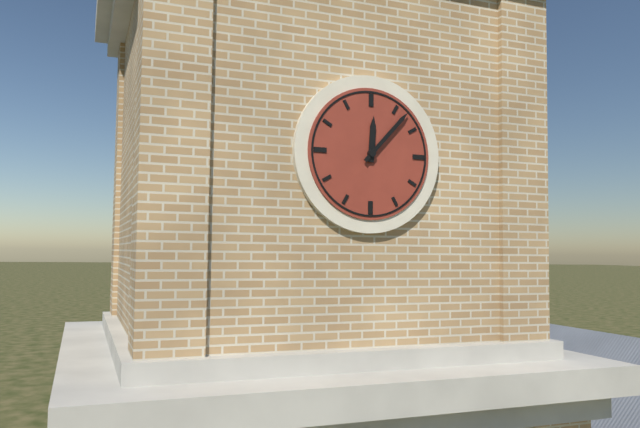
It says 12:07
